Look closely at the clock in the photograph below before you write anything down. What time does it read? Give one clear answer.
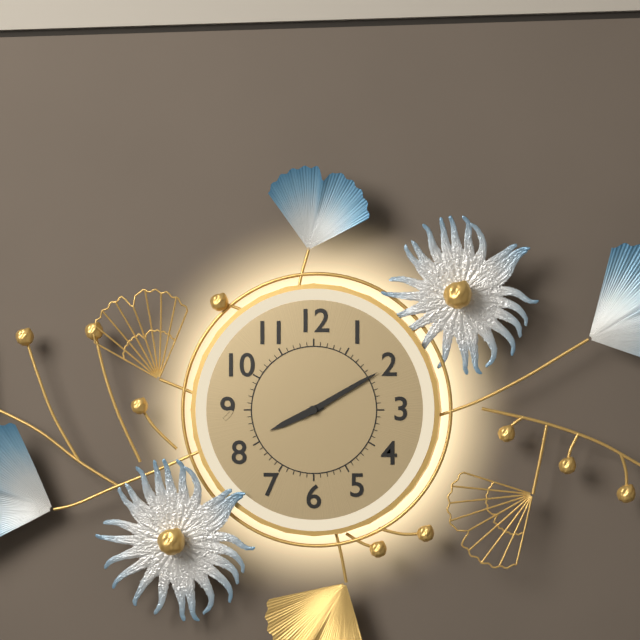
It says 8:10
